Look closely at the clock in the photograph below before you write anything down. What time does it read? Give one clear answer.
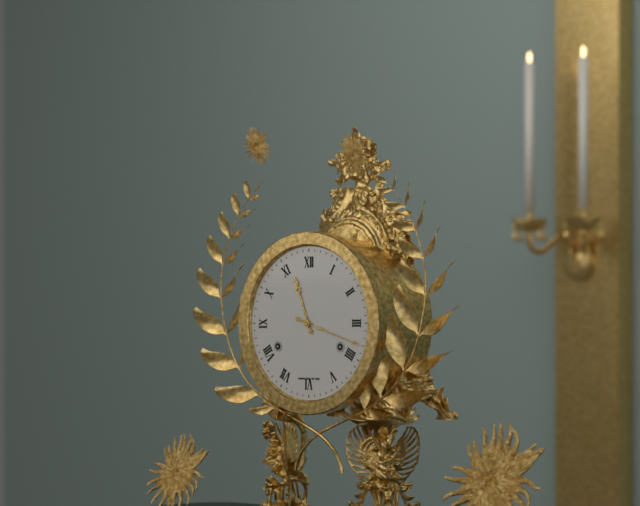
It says 11:18
